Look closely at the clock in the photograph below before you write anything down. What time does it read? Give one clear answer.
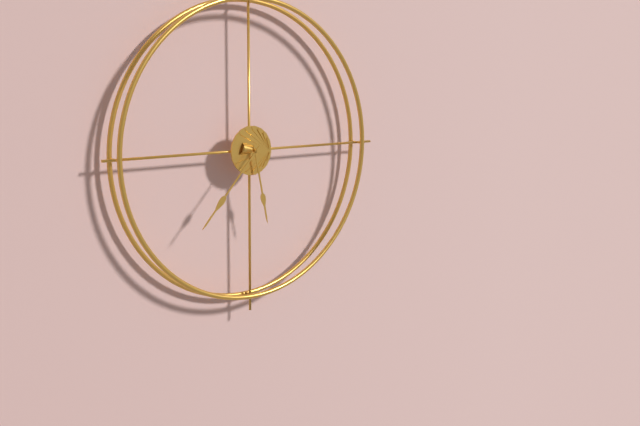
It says 5:37
